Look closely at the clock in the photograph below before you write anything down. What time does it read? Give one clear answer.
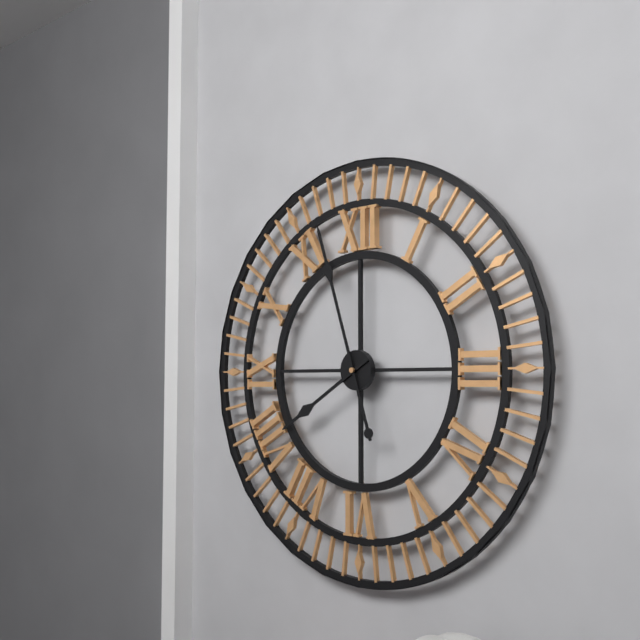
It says 7:57
